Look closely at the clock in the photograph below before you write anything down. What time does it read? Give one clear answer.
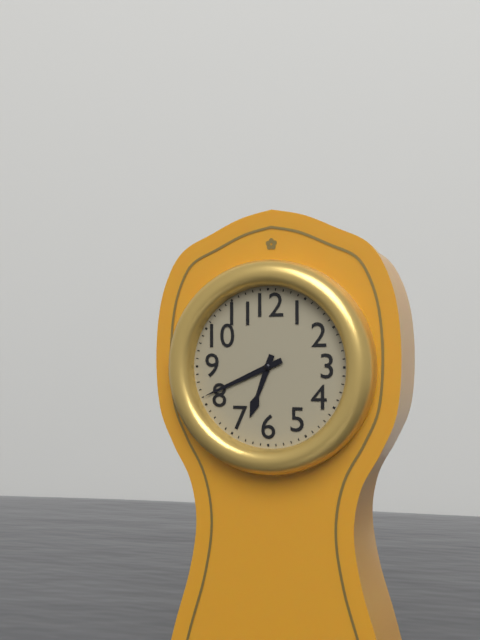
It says 6:41
